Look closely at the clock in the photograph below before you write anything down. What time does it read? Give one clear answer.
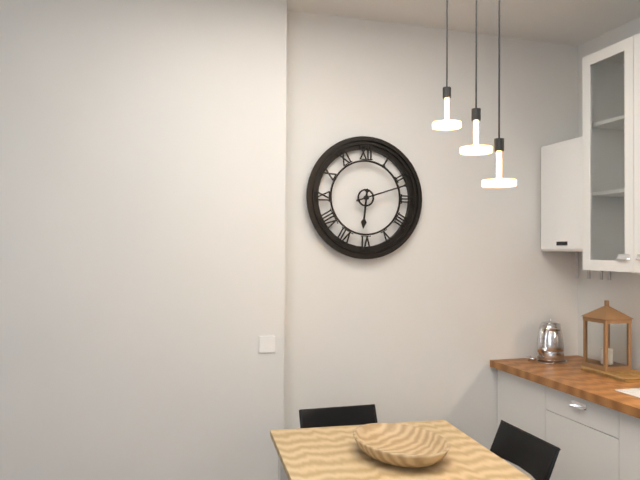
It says 6:12
